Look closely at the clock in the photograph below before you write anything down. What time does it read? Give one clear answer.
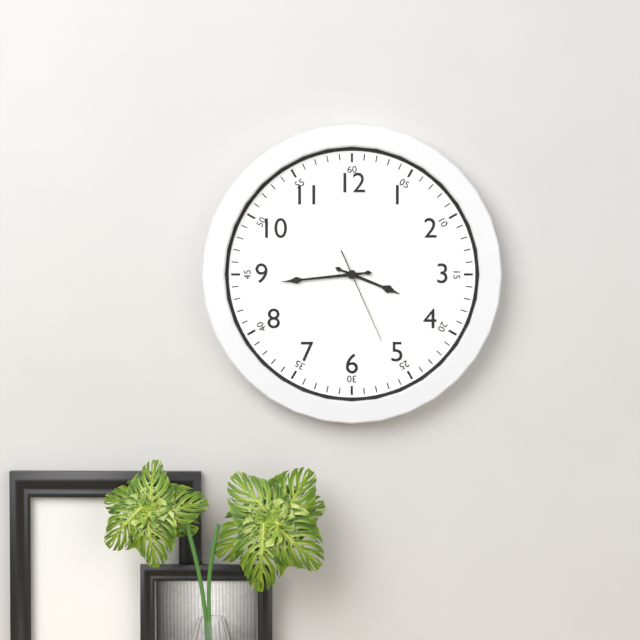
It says 3:44:26
